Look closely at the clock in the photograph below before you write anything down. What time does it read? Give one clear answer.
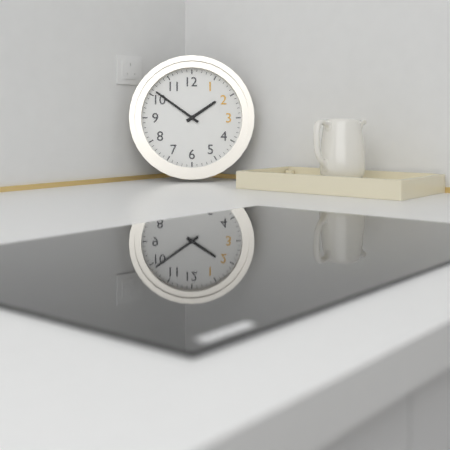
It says 1:51
